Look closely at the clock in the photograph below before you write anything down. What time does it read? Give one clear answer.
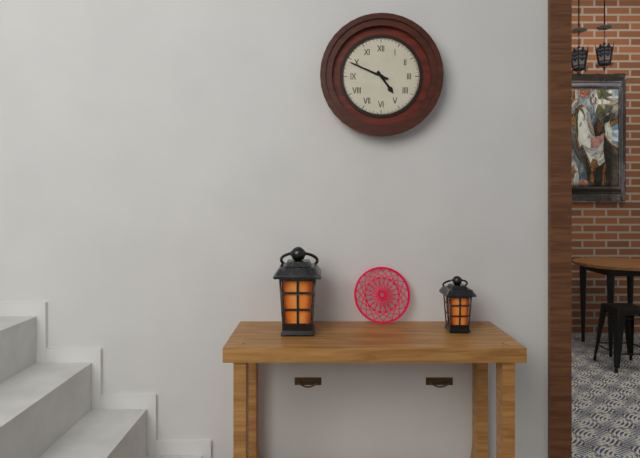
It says 4:49
